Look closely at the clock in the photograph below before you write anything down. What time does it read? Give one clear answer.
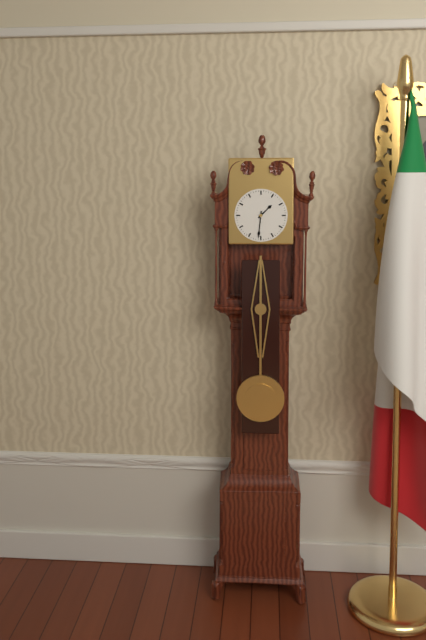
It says 1:31
